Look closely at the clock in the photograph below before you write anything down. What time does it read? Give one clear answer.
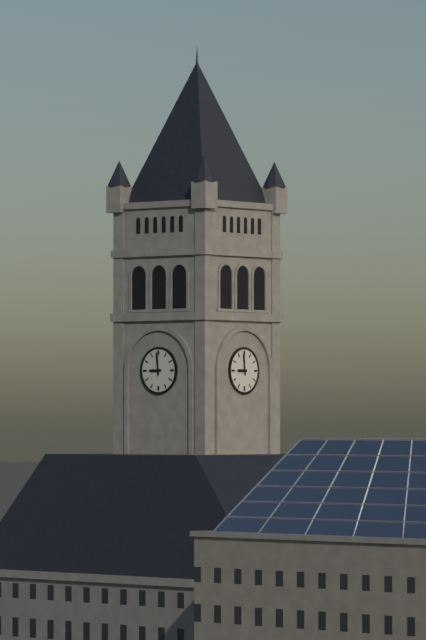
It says 8:59
